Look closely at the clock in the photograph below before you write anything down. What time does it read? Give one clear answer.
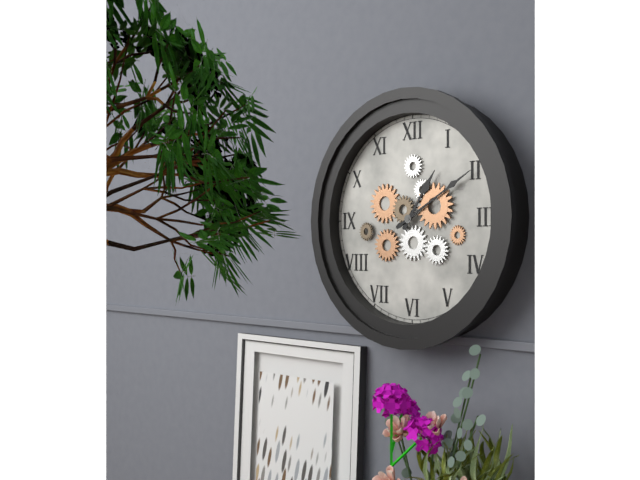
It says 1:10
